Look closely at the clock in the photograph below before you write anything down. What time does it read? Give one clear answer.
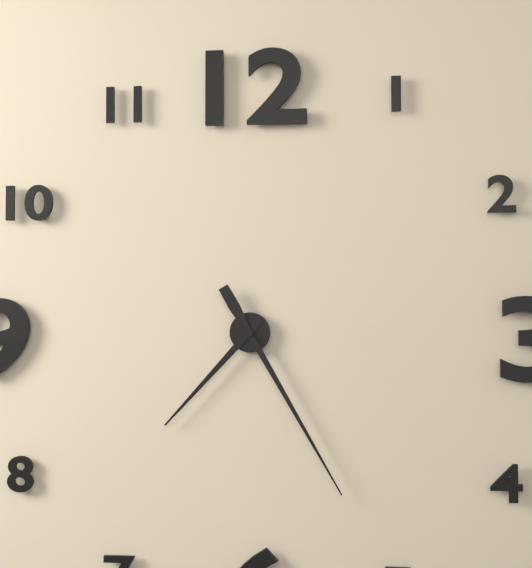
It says 7:25
